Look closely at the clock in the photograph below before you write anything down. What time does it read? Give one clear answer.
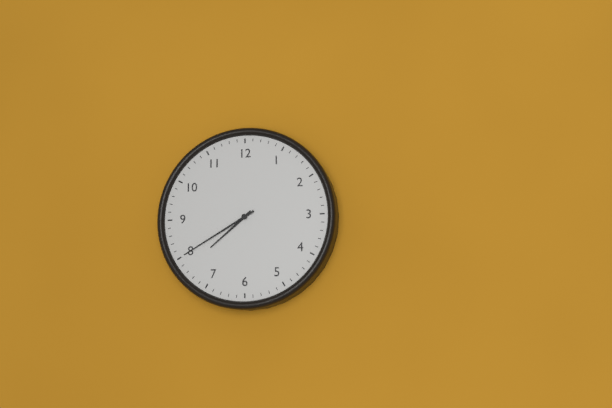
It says 7:40
